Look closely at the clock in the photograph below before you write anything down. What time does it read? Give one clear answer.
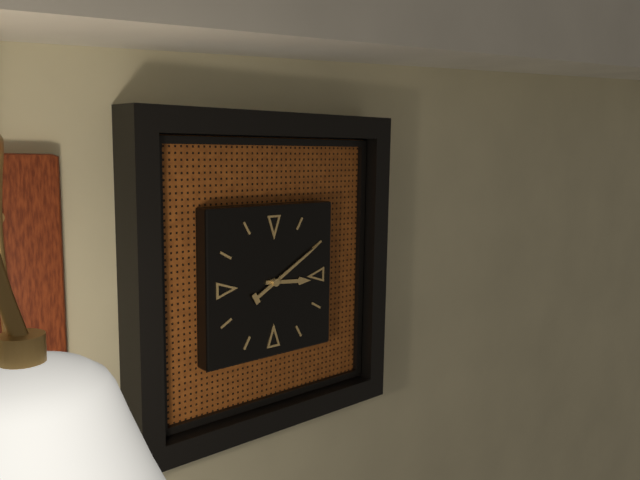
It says 3:10
